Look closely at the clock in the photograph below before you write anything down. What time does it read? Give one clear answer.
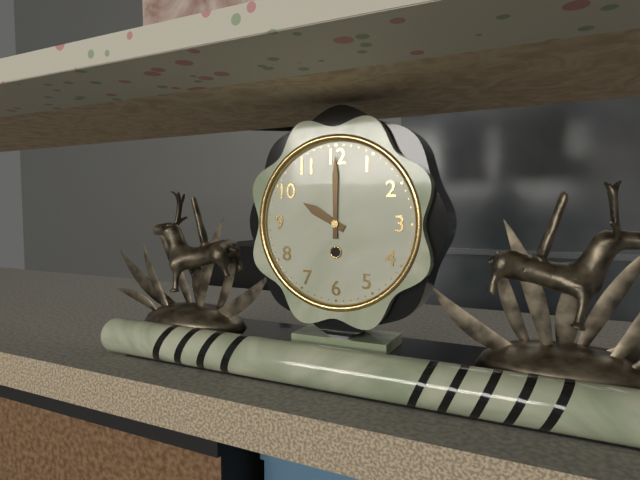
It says 10:00
